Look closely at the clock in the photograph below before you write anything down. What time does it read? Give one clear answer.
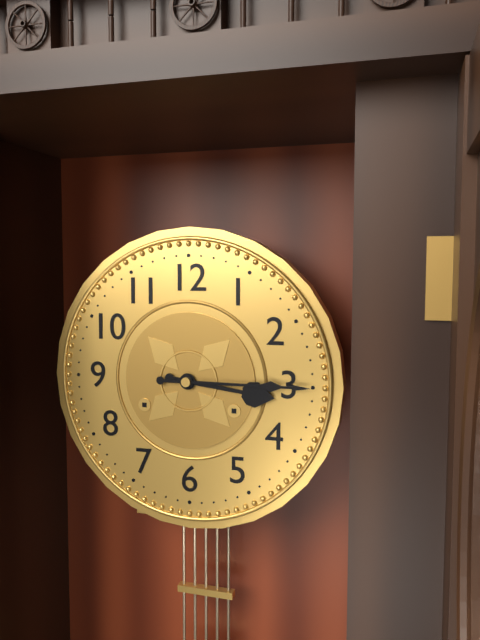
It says 3:15
